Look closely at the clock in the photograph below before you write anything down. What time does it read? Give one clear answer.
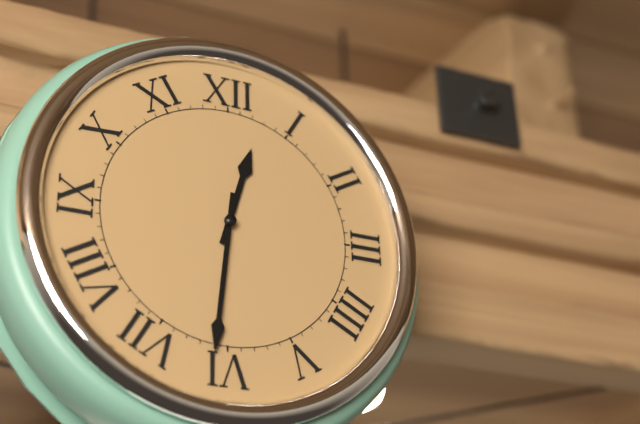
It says 12:31
